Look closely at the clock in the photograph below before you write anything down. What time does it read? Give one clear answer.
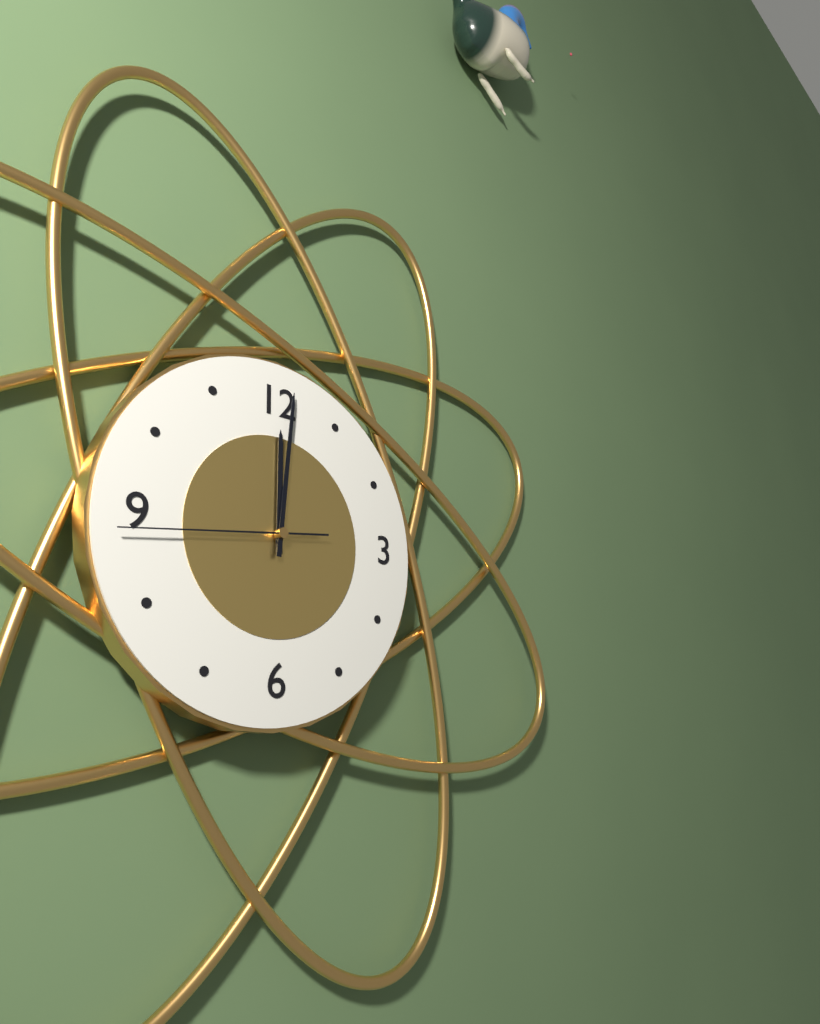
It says 12:01:44
